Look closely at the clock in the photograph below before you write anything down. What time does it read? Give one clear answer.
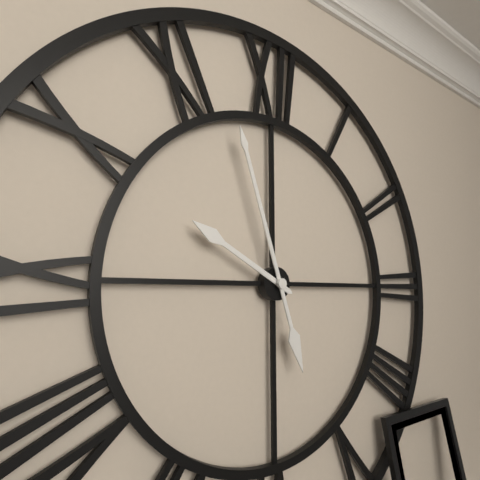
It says 9:57
